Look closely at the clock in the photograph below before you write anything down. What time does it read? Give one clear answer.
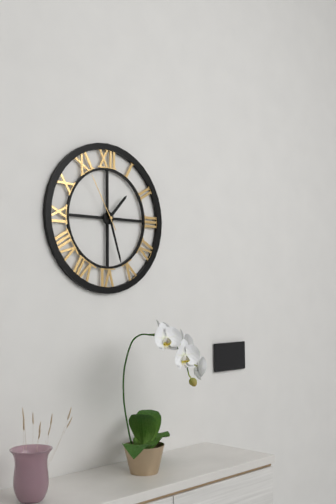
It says 1:27:55
